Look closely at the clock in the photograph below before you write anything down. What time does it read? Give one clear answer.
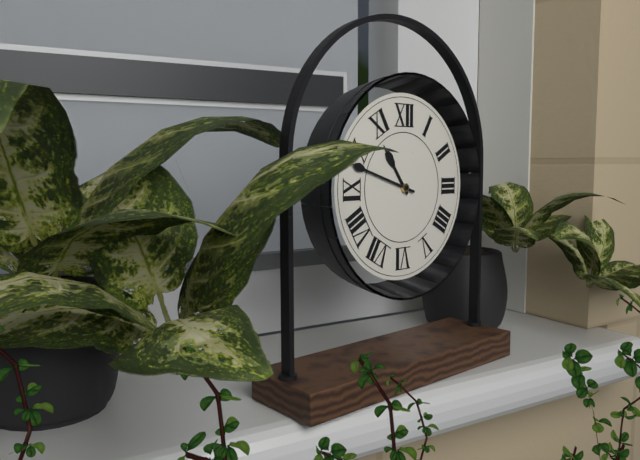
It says 10:48
